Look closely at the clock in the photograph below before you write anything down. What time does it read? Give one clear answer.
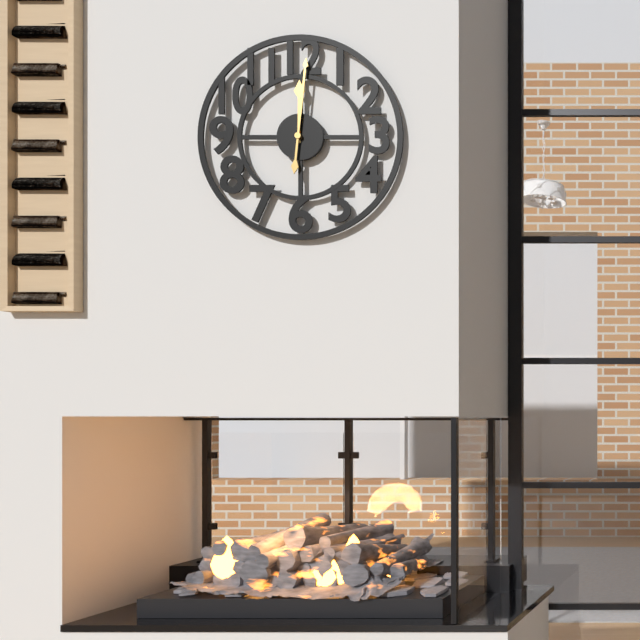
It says 12:01
